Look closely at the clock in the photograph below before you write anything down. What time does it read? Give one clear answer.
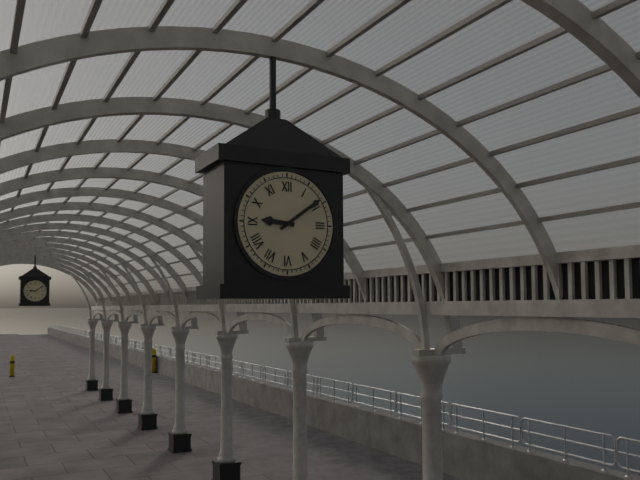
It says 9:09
